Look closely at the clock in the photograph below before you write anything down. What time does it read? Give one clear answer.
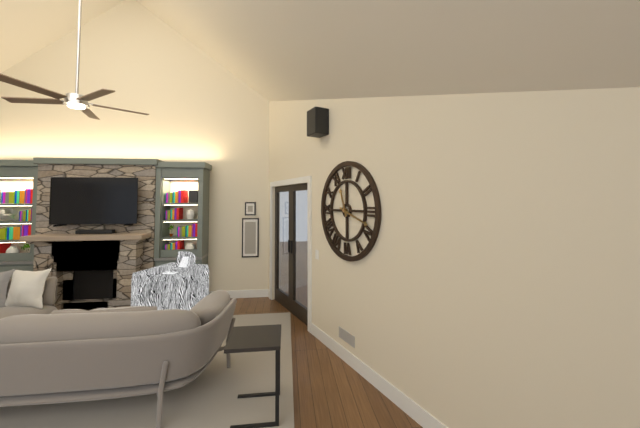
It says 11:18
